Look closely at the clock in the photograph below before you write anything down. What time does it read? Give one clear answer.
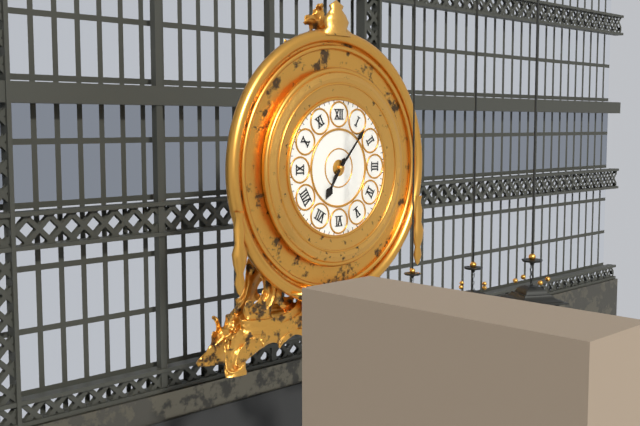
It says 7:07
